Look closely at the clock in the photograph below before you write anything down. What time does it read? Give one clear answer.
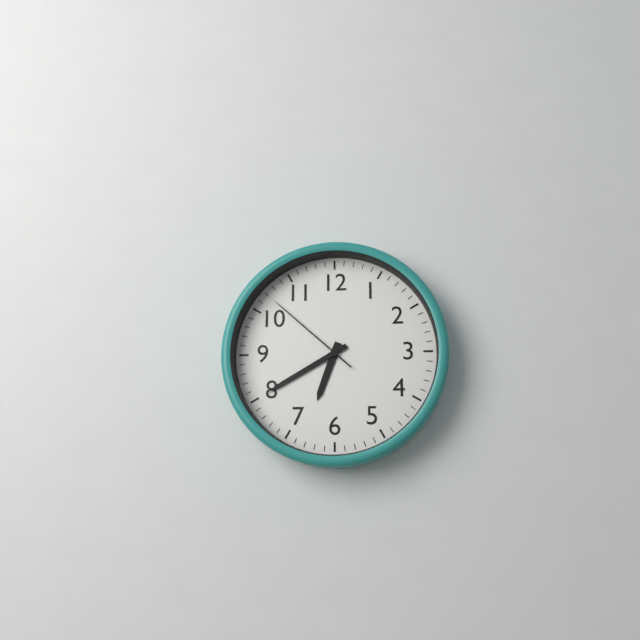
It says 6:40:52
